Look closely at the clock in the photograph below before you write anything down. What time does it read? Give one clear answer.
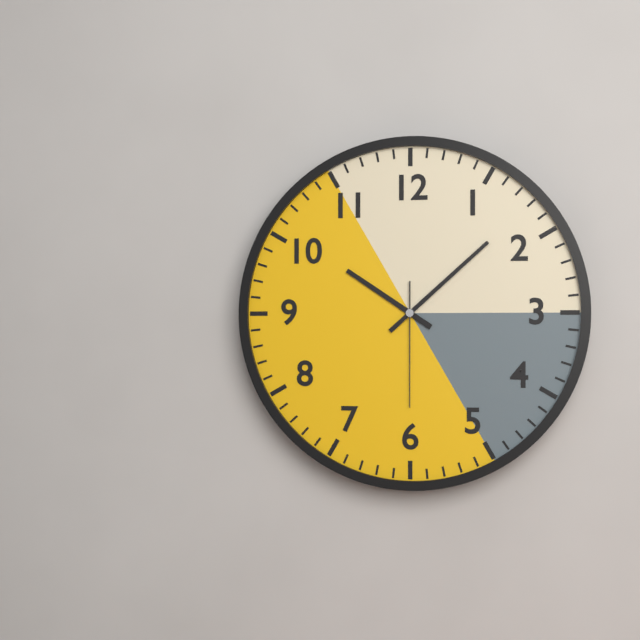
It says 10:08:30
